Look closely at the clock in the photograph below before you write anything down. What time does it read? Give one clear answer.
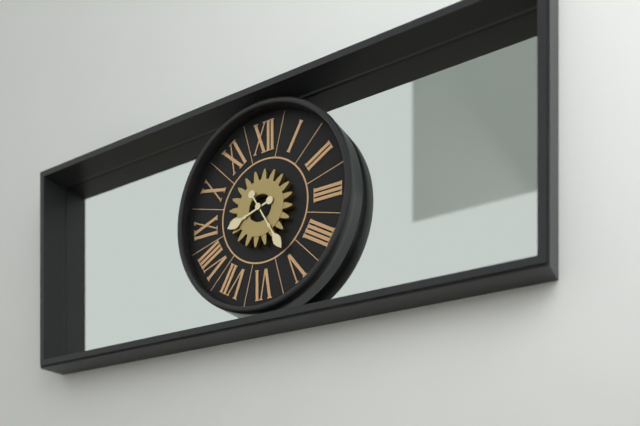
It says 8:25
